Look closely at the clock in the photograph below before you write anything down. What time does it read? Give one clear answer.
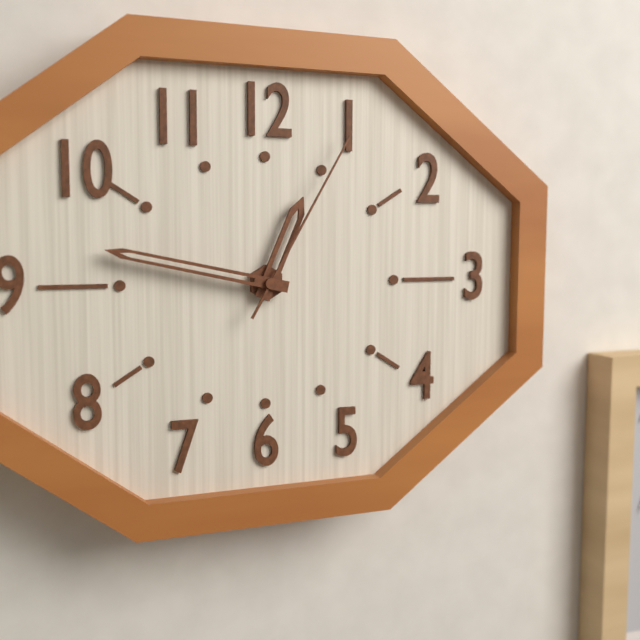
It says 12:47:05
